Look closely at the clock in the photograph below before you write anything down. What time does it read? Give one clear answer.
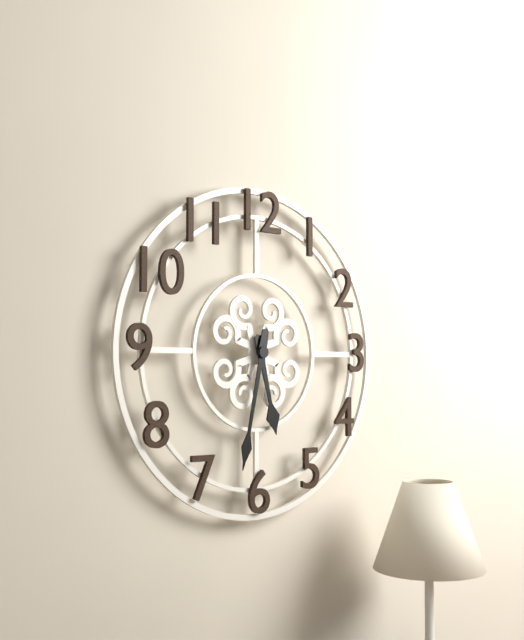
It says 5:32
